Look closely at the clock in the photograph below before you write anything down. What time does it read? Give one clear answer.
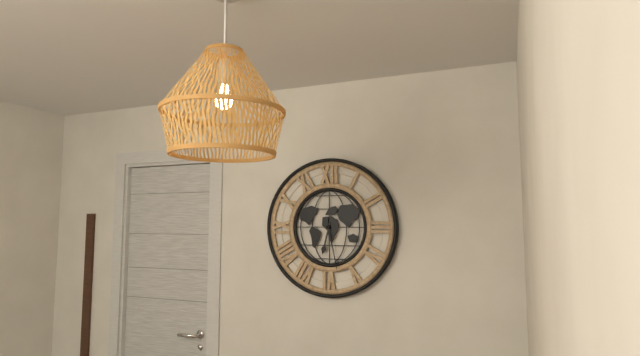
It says 6:28
